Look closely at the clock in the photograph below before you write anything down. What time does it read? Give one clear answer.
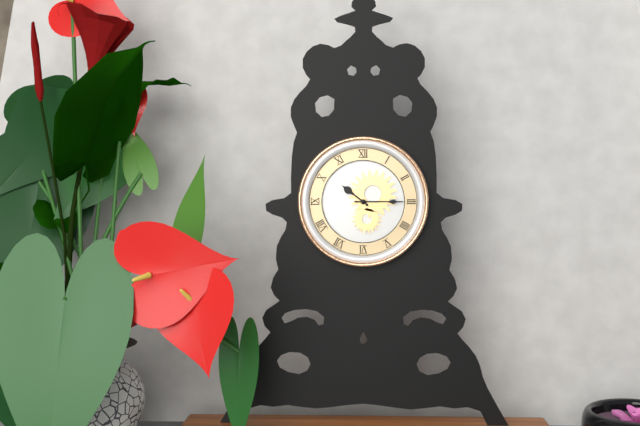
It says 10:15
